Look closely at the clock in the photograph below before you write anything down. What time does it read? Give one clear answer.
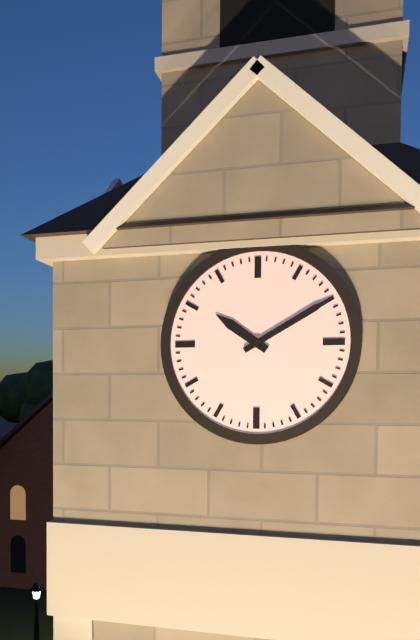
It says 10:10
